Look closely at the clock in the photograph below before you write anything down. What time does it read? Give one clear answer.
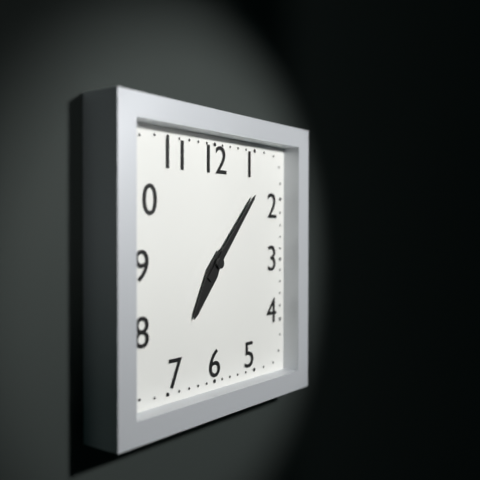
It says 7:07
